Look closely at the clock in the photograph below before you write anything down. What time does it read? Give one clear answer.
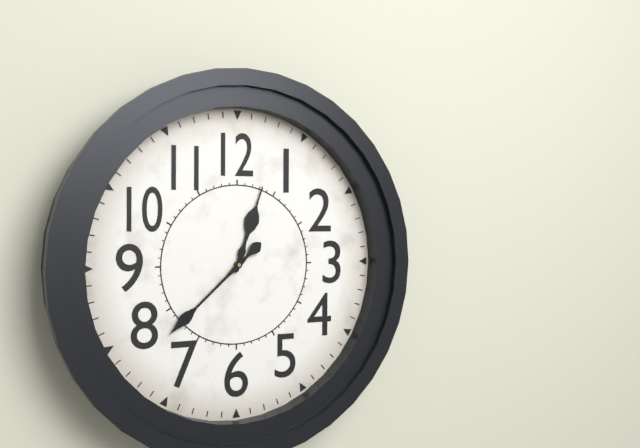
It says 12:38
